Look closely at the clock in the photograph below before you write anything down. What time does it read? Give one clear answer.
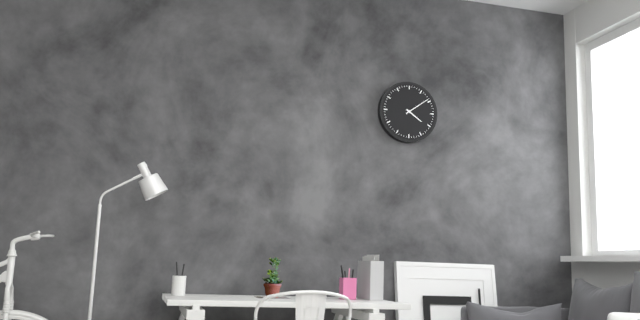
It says 4:09
